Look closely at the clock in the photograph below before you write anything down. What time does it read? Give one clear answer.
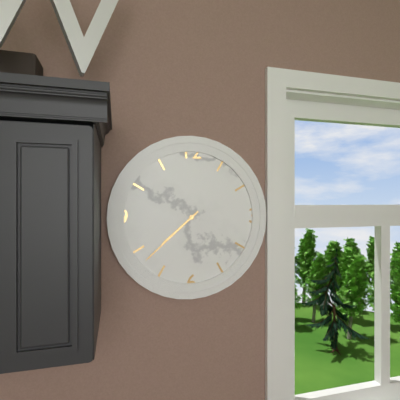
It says 7:38
